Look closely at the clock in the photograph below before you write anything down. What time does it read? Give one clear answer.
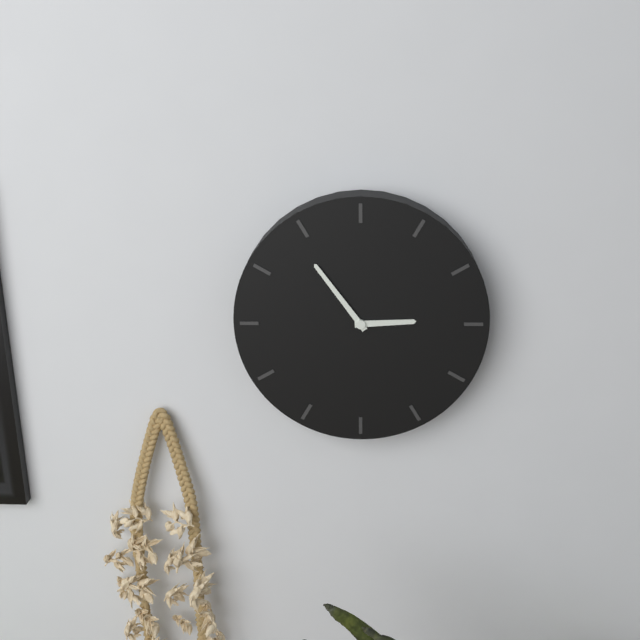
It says 2:54
